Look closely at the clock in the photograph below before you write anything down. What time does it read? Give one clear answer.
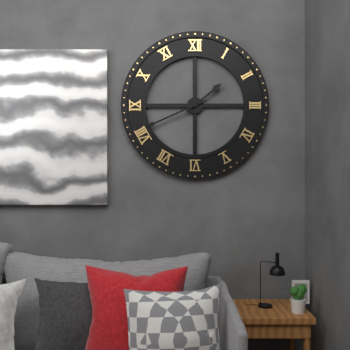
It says 1:41
